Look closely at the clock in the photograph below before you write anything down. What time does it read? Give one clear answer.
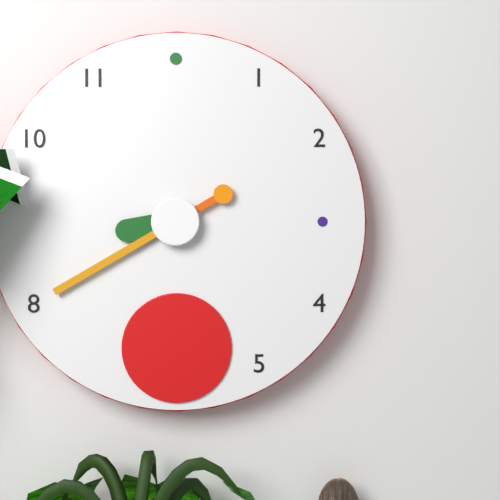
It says 8:40
